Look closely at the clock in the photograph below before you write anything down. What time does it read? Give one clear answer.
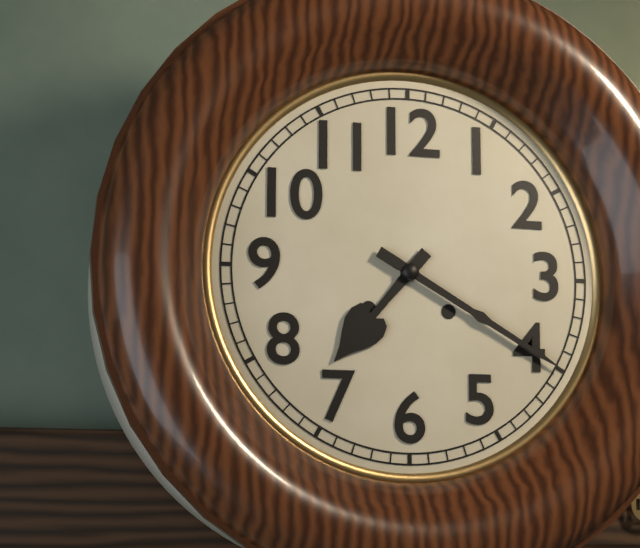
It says 7:20
